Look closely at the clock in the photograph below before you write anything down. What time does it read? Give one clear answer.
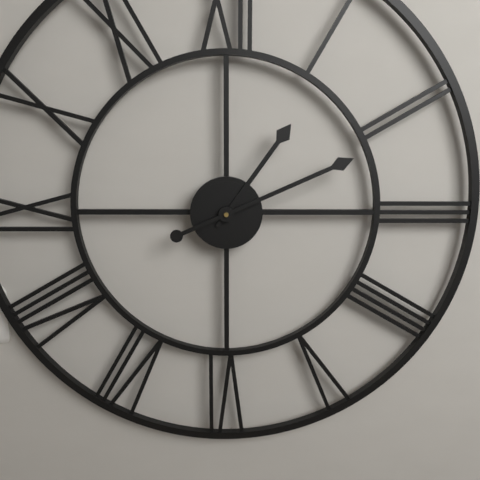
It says 1:11
